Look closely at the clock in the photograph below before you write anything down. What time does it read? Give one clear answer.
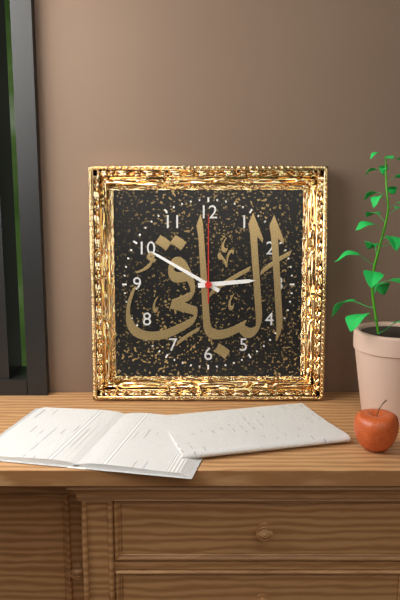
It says 2:50:00
